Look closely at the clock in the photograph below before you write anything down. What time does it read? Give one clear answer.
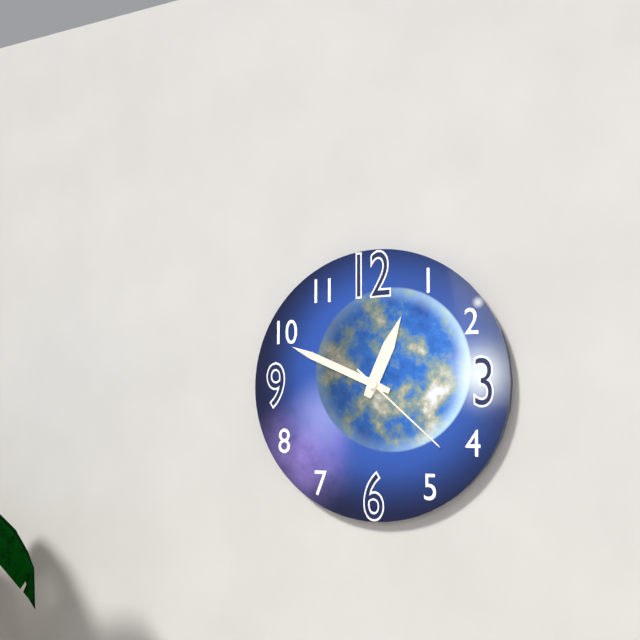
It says 12:49:22
